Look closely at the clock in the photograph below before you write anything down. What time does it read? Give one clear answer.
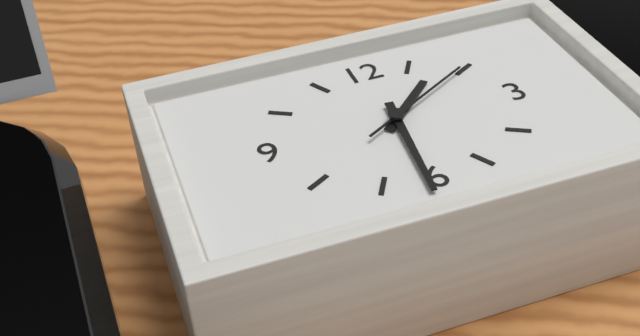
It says 1:31:10
